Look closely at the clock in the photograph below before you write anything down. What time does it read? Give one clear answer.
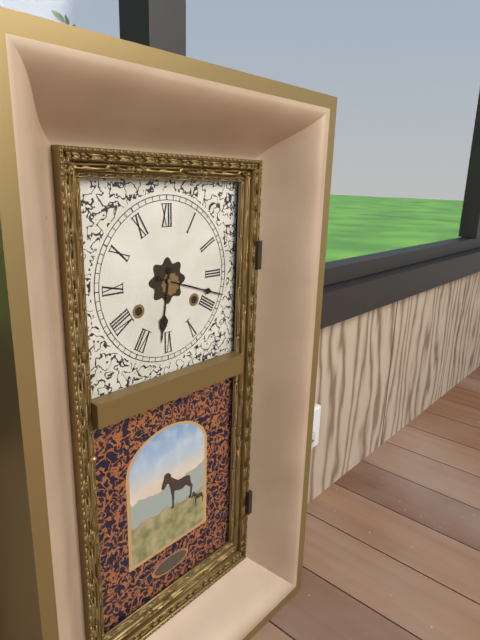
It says 6:18
